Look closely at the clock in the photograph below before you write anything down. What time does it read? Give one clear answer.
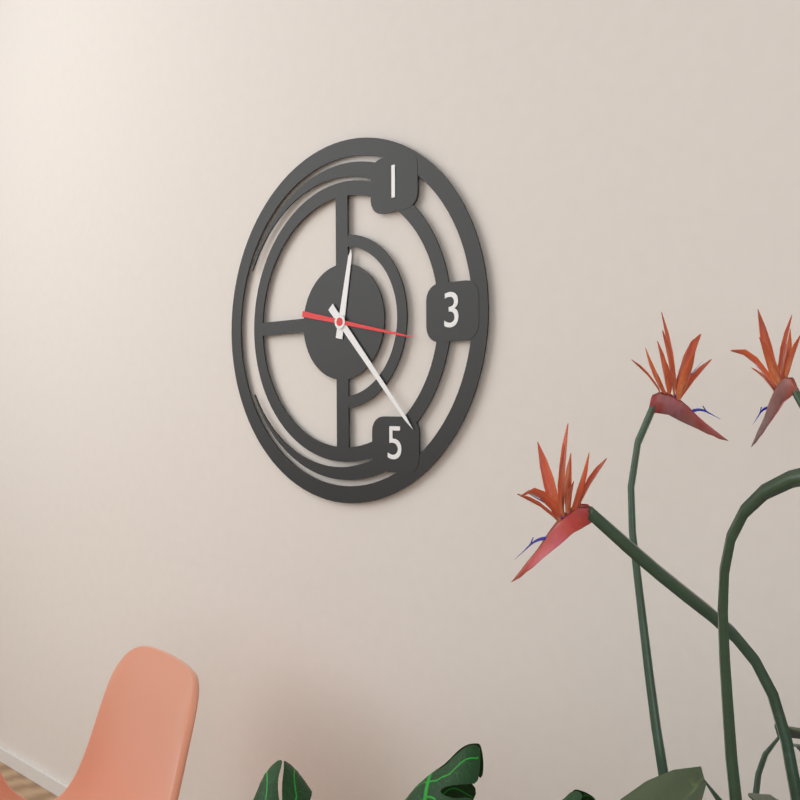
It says 12:23:17
